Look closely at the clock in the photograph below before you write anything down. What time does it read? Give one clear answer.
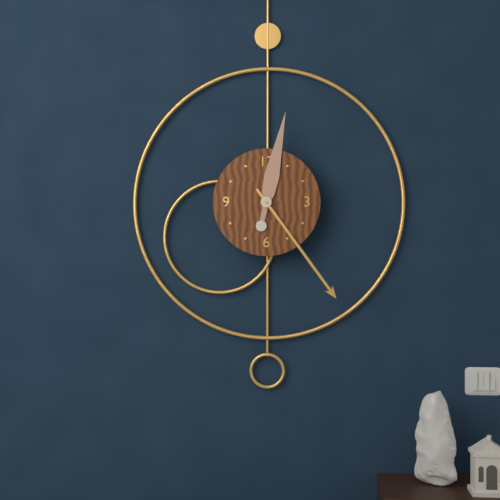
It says 12:24
